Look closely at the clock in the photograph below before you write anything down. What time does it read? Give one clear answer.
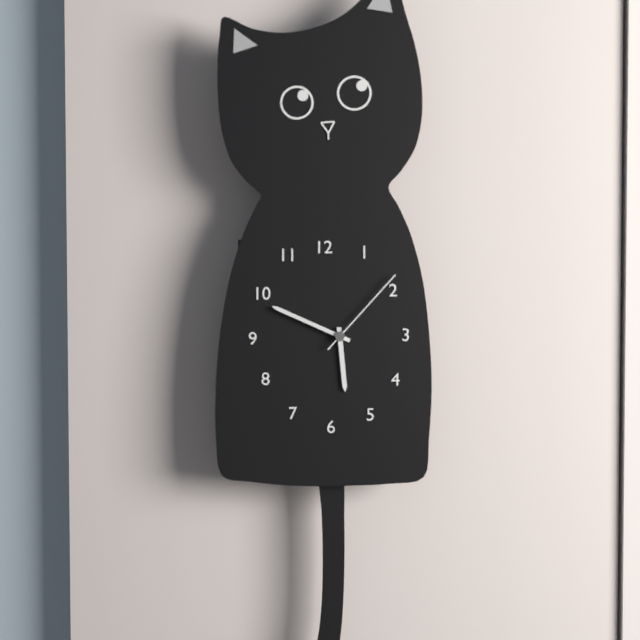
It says 5:49:07
